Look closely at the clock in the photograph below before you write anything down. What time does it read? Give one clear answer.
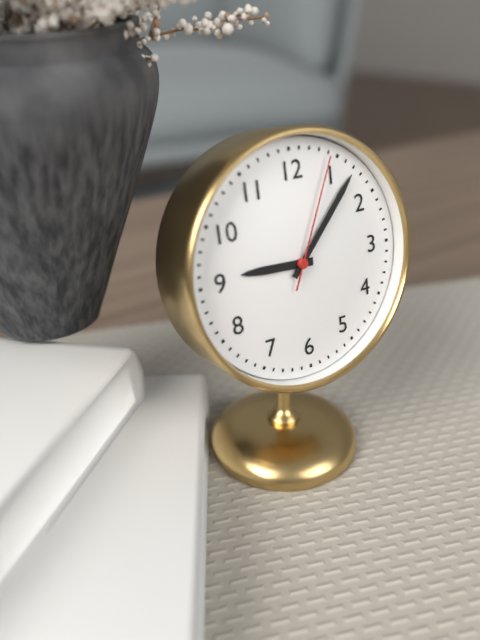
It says 9:07:04
